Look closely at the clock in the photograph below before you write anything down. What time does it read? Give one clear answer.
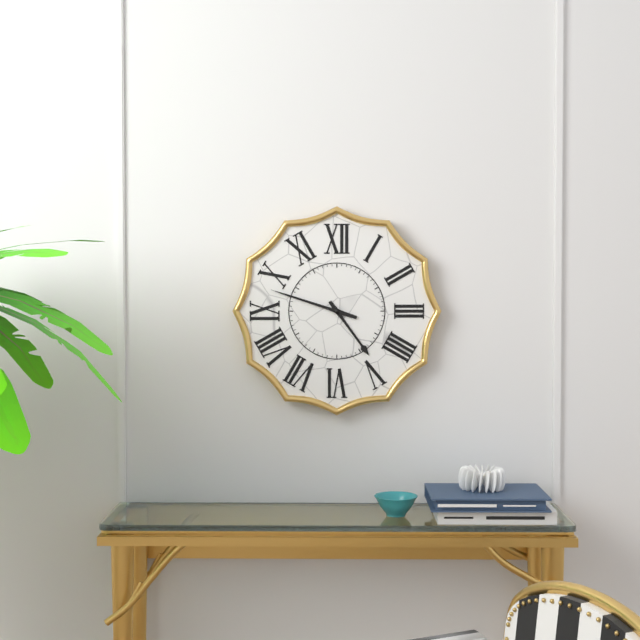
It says 4:48
